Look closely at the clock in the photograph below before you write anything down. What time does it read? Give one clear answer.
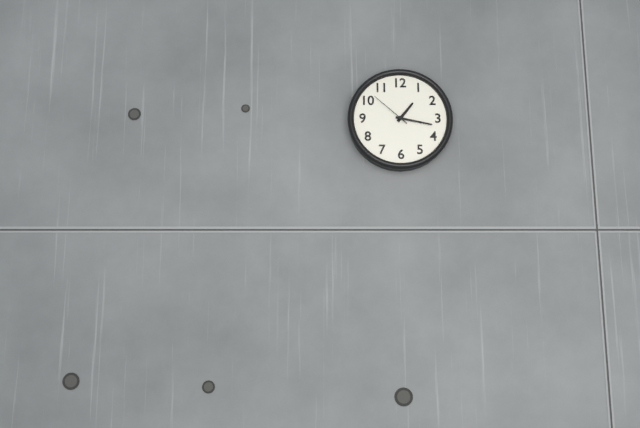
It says 1:17
